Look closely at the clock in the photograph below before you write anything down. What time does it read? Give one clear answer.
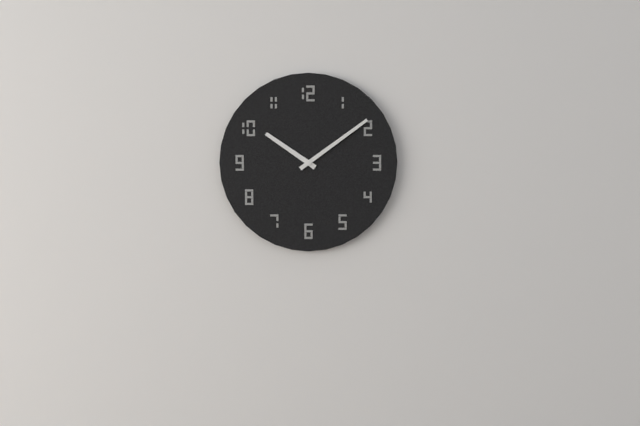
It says 10:09
